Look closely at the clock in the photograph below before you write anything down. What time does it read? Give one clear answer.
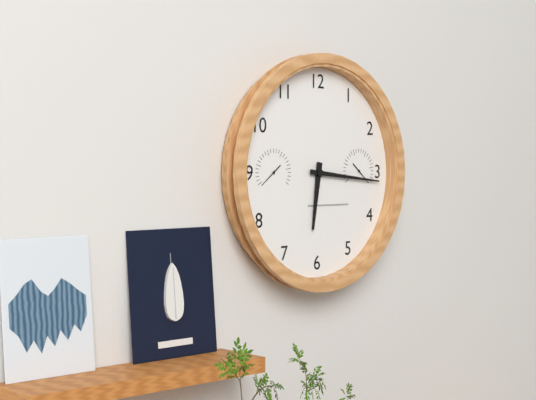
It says 6:16
